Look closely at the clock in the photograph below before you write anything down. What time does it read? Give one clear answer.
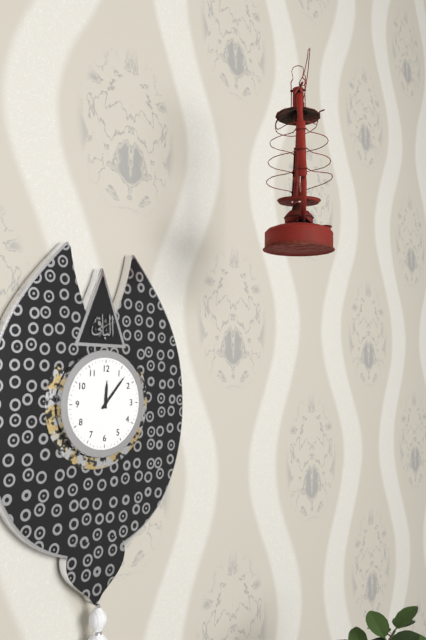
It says 12:07
